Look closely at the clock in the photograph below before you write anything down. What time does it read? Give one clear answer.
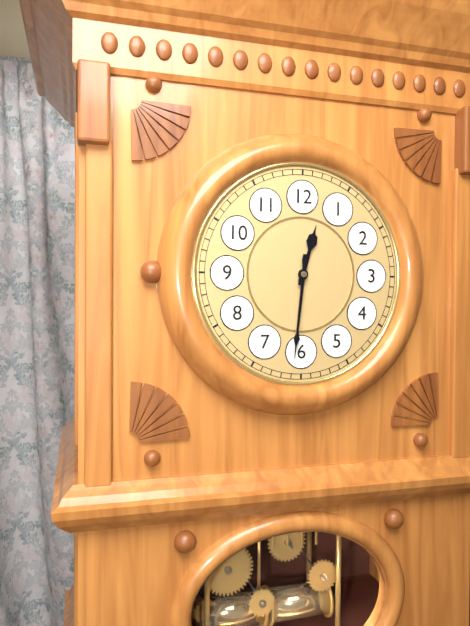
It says 12:31
